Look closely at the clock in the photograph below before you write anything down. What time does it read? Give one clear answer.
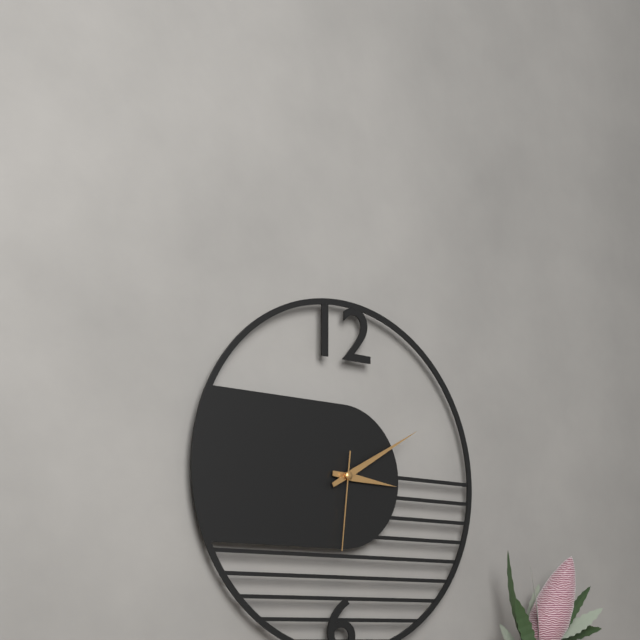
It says 3:10:31
